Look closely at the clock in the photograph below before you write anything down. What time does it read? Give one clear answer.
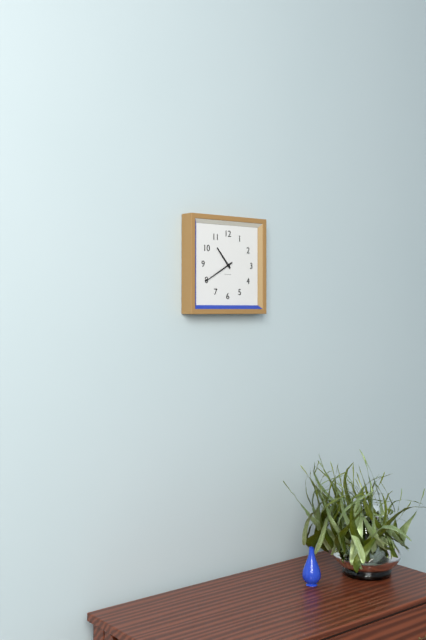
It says 10:40
